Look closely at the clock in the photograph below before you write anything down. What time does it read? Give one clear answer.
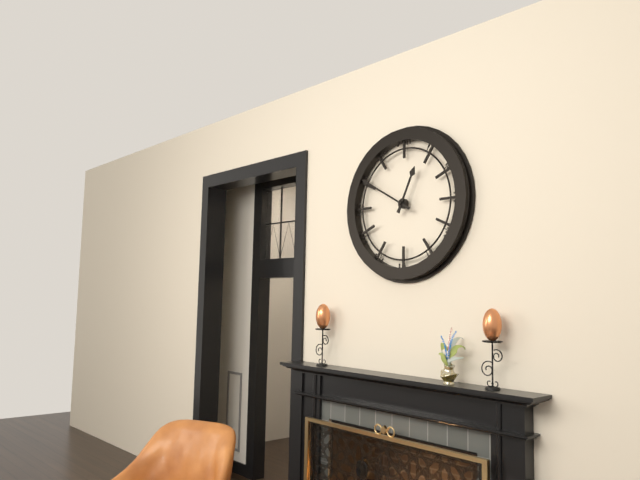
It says 12:50
